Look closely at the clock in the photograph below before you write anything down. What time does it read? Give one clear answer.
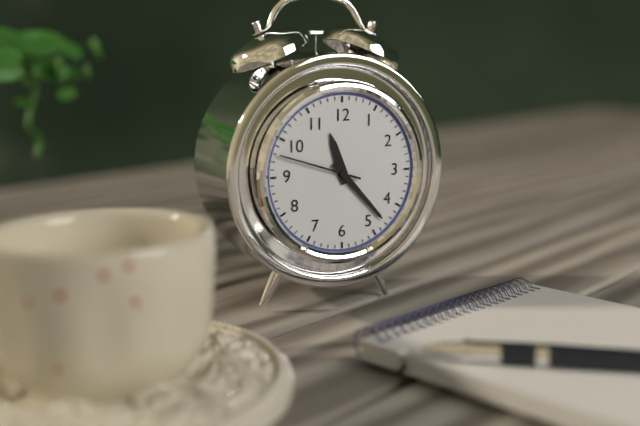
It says 11:23:48
